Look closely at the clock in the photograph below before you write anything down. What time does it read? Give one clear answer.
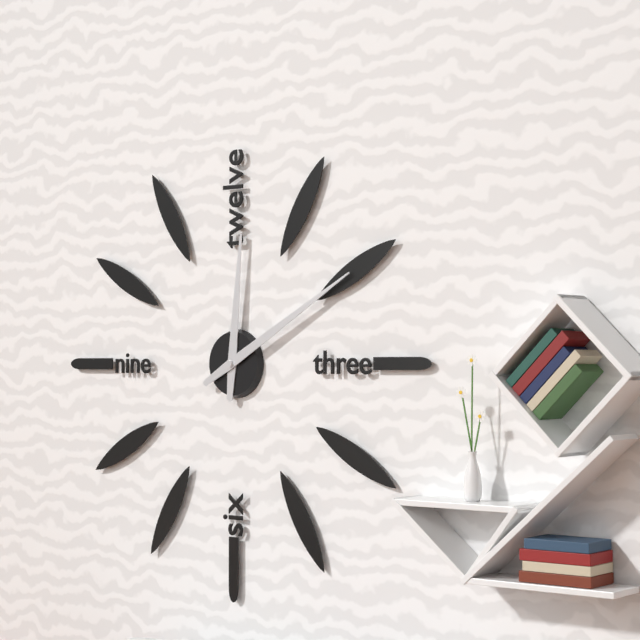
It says 12:10
